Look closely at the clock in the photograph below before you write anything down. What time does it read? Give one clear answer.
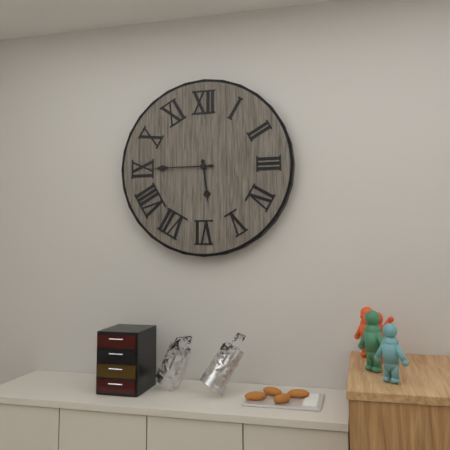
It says 5:45
